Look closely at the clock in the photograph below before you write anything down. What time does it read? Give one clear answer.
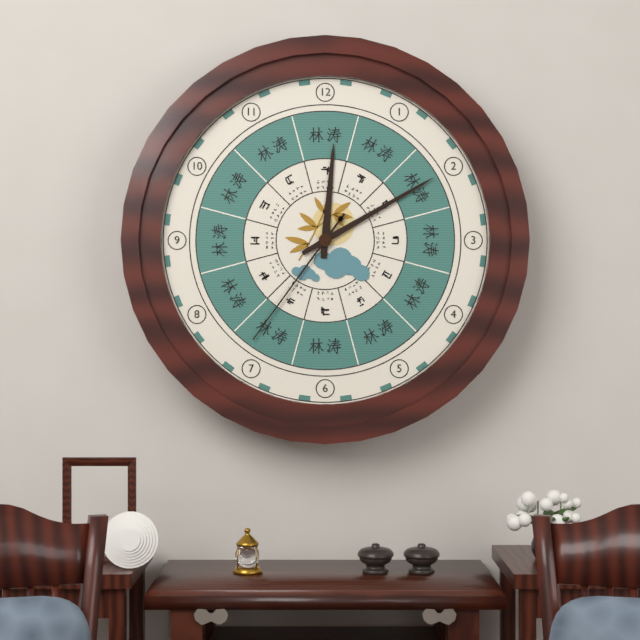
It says 12:10:36
